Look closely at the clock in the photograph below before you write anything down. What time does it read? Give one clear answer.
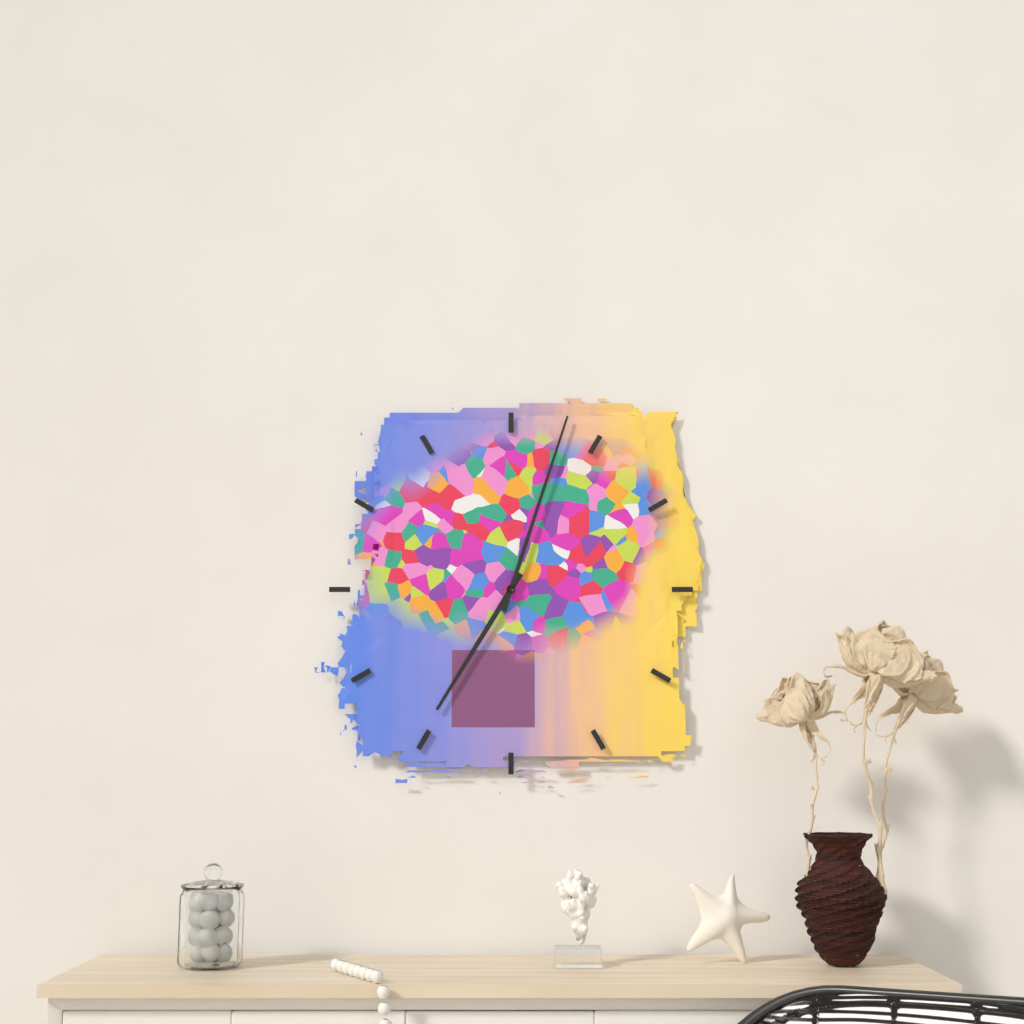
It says 7:03
